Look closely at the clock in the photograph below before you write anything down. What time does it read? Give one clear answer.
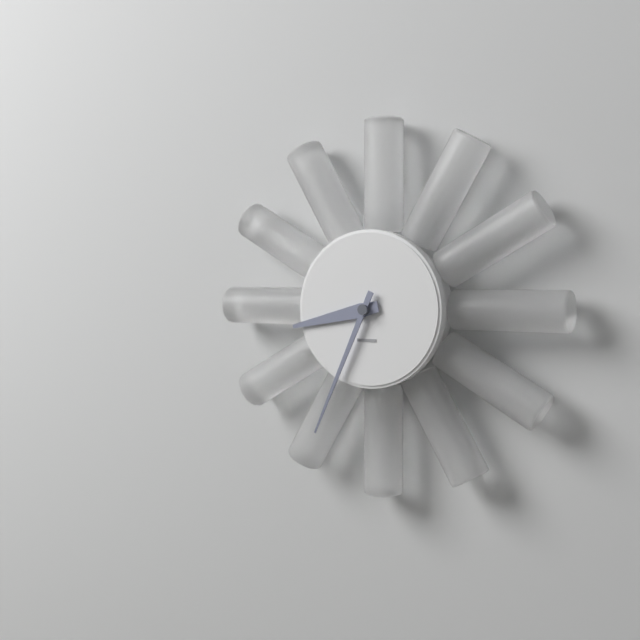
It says 8:34
